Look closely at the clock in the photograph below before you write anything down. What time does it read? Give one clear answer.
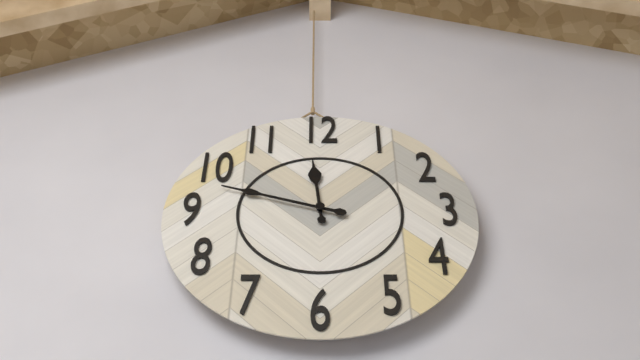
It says 11:48
